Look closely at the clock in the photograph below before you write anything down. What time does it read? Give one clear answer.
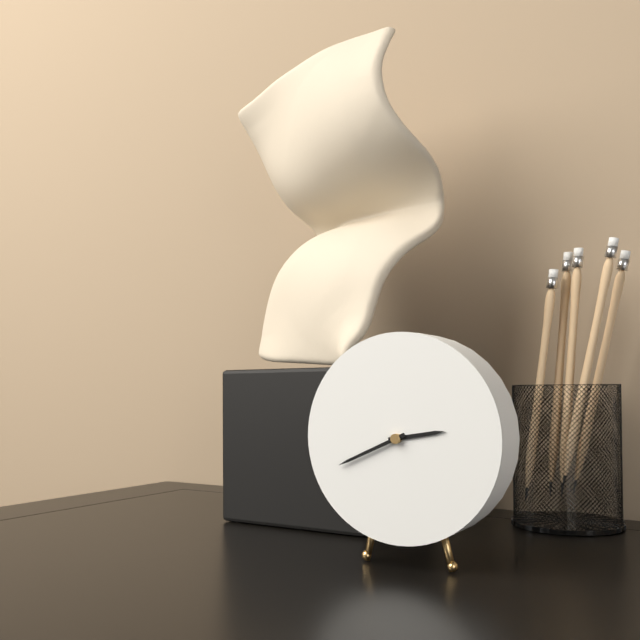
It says 2:41
